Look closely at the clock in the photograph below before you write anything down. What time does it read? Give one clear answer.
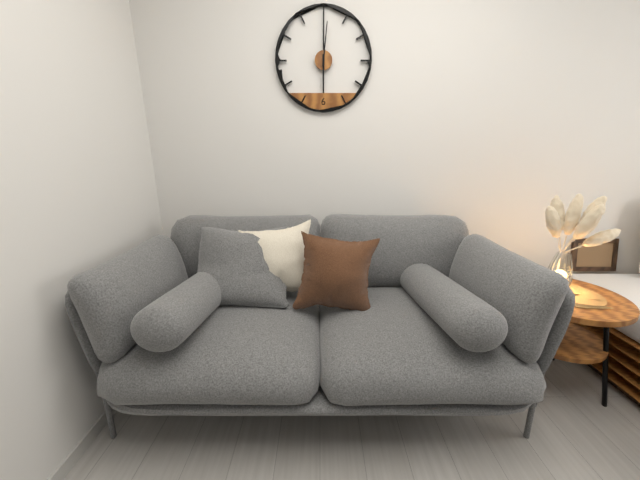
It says 6:01
